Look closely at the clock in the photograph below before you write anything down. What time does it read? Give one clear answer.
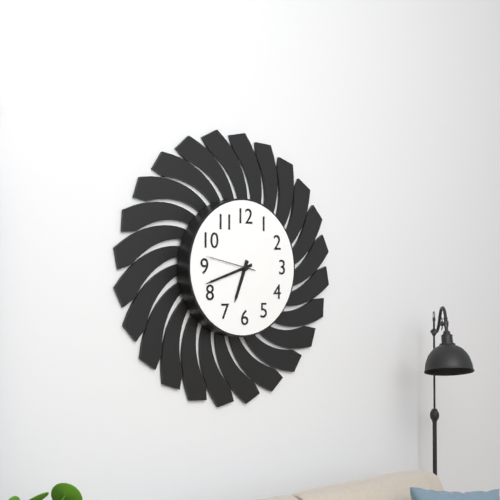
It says 6:42
